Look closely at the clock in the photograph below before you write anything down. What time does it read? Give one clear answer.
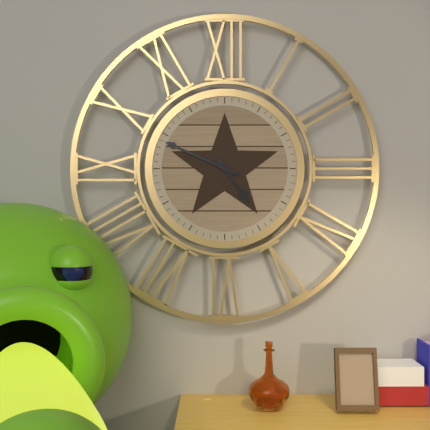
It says 4:49
